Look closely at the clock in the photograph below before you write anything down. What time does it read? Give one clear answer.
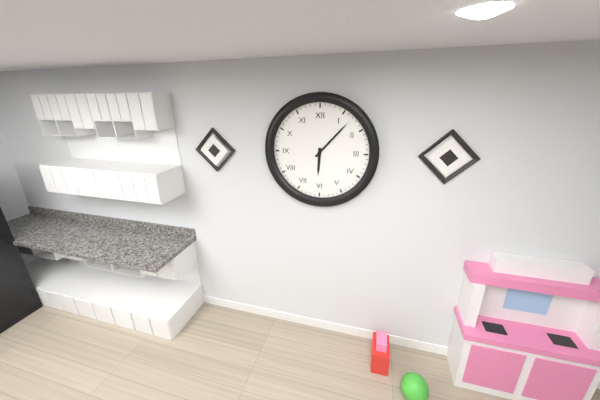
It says 6:07
